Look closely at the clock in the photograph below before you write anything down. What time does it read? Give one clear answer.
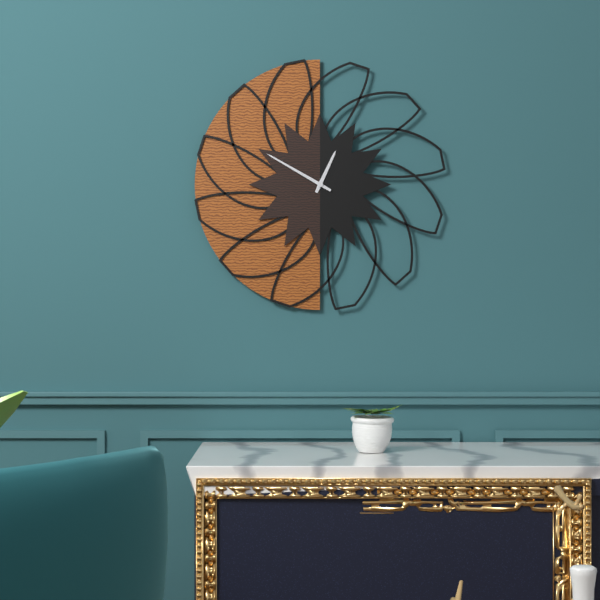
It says 12:50
